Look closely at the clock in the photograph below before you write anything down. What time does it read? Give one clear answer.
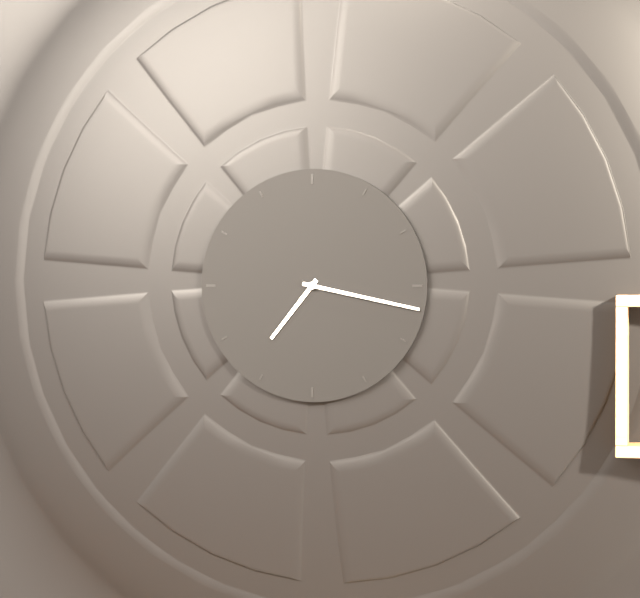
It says 7:17
